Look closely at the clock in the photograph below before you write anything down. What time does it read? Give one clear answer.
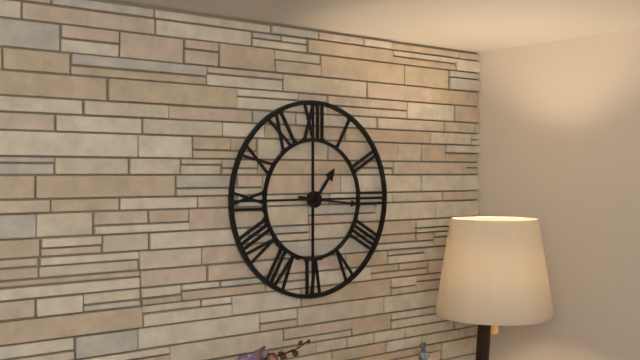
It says 1:16
